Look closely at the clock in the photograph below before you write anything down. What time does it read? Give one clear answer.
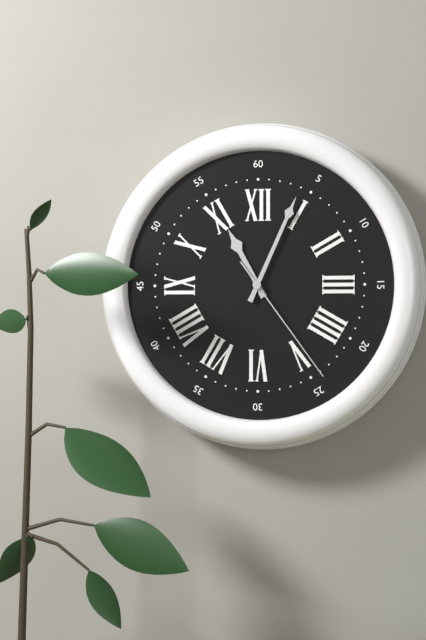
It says 11:04:24
